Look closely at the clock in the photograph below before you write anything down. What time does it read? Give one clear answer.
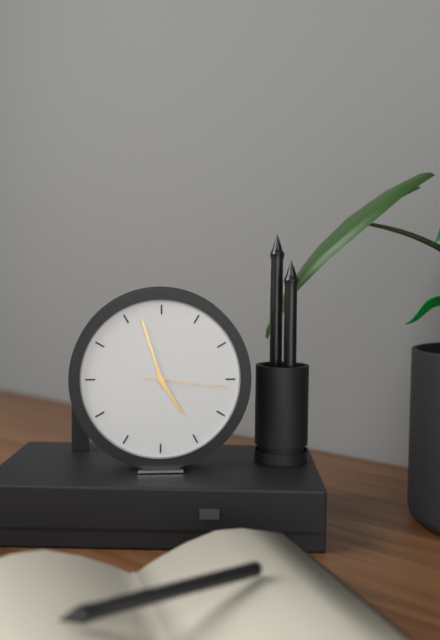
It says 4:57:16
